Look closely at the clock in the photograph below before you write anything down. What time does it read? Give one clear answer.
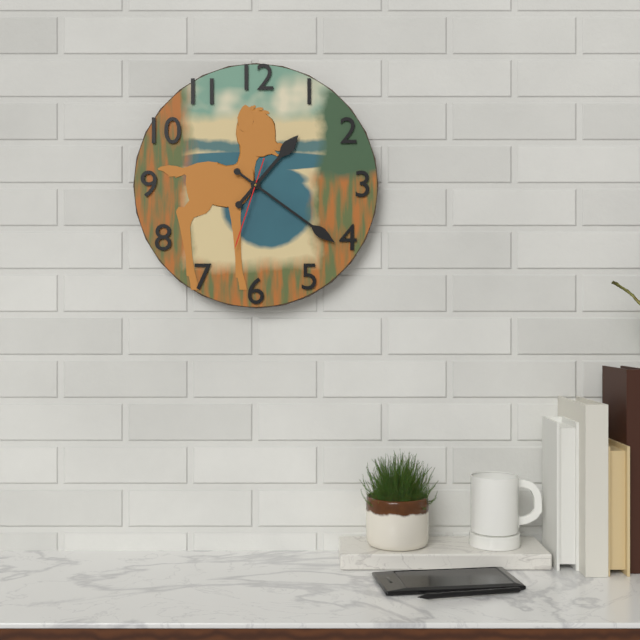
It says 1:21:33
